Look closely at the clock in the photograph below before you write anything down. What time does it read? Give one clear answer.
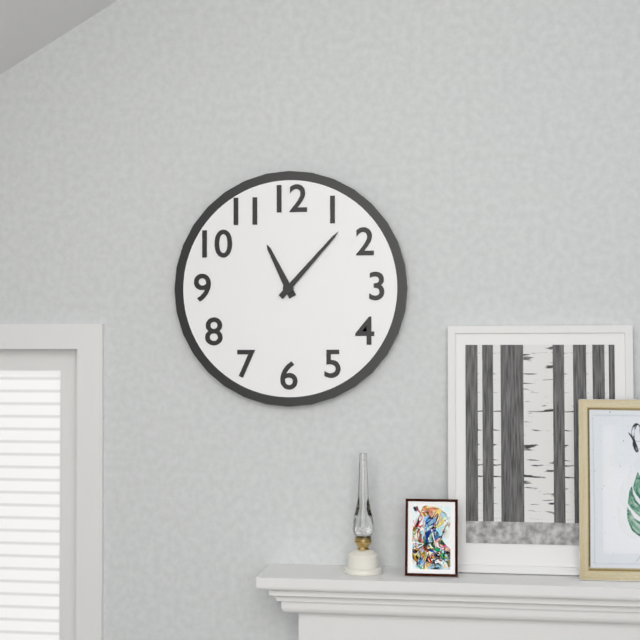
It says 11:07
